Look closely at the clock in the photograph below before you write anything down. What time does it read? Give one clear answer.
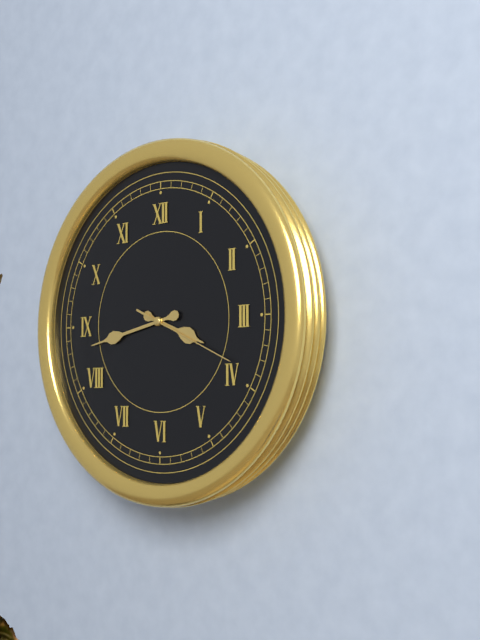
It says 3:43:19
